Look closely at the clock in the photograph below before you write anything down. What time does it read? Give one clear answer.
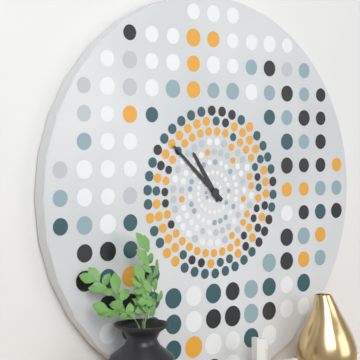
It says 10:52
